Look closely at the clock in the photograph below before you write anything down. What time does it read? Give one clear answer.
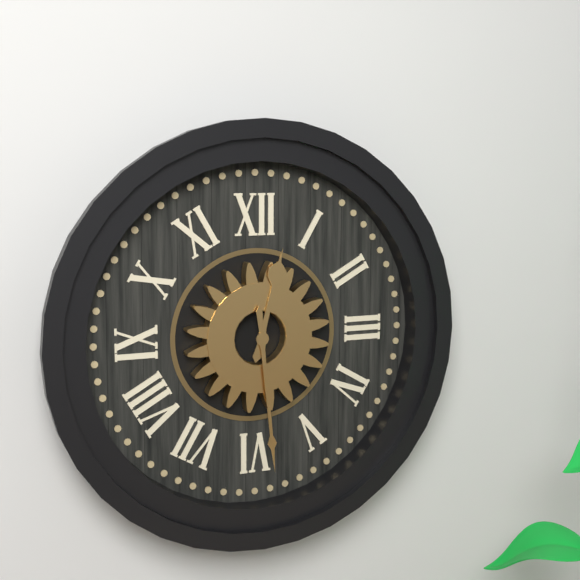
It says 12:29
